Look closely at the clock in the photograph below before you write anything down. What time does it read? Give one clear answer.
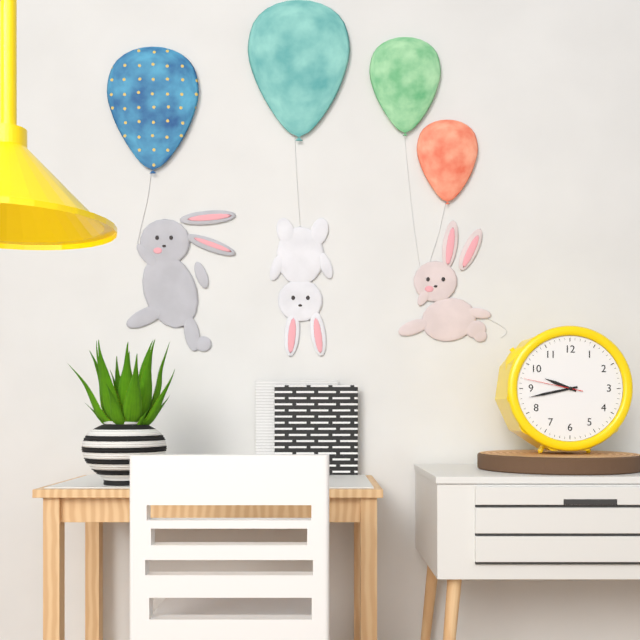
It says 9:43:47
